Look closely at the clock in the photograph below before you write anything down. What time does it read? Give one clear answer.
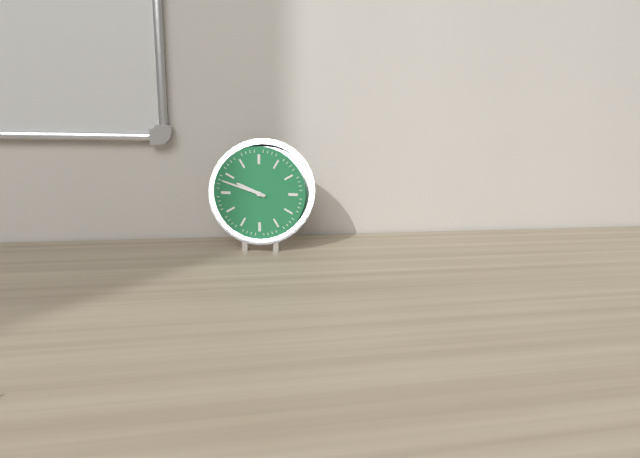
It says 9:48
